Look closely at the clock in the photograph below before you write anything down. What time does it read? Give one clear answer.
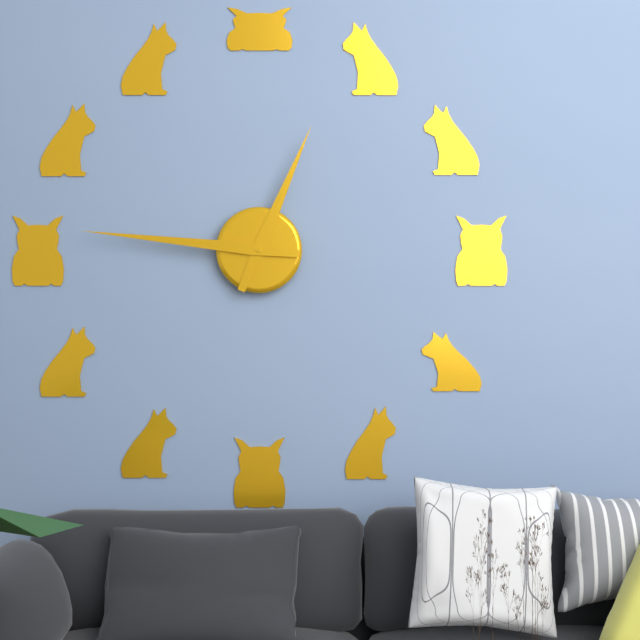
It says 12:46
